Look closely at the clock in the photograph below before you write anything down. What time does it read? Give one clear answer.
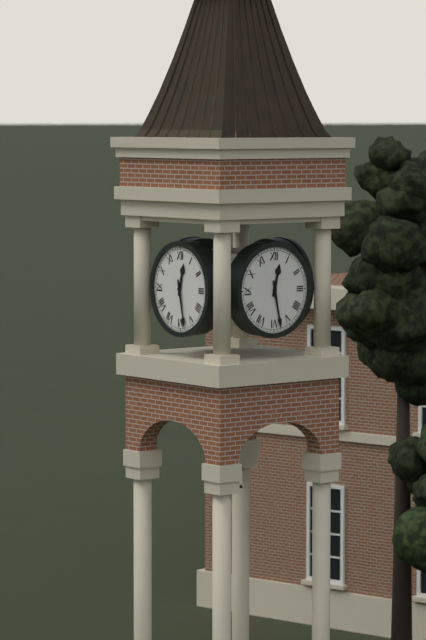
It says 12:28
